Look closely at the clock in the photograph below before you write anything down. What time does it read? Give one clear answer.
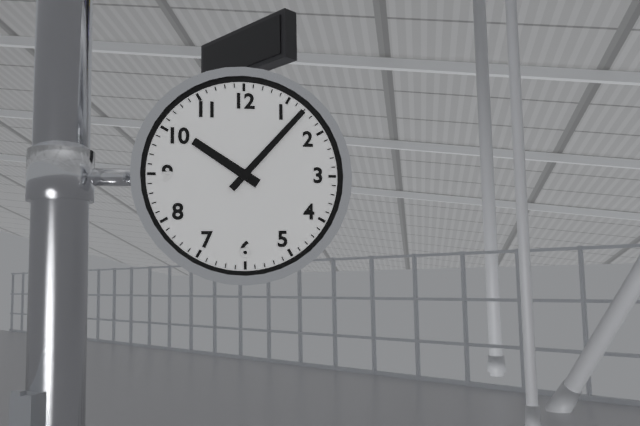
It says 10:07
